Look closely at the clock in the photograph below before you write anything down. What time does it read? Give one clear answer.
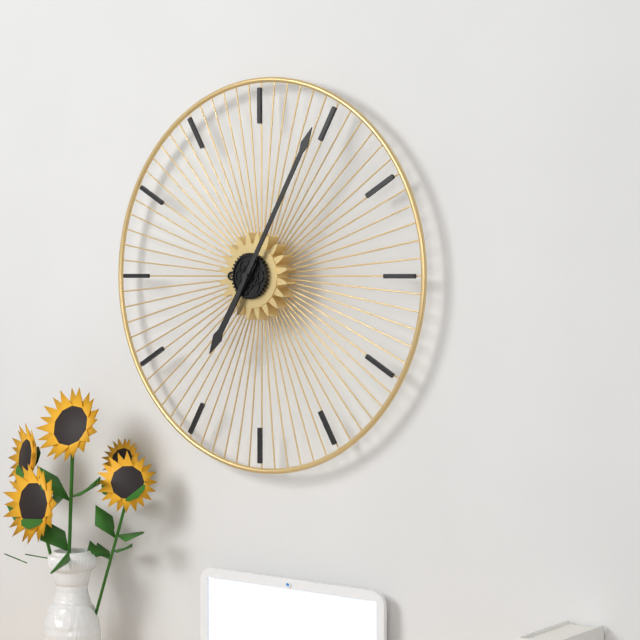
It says 7:05
